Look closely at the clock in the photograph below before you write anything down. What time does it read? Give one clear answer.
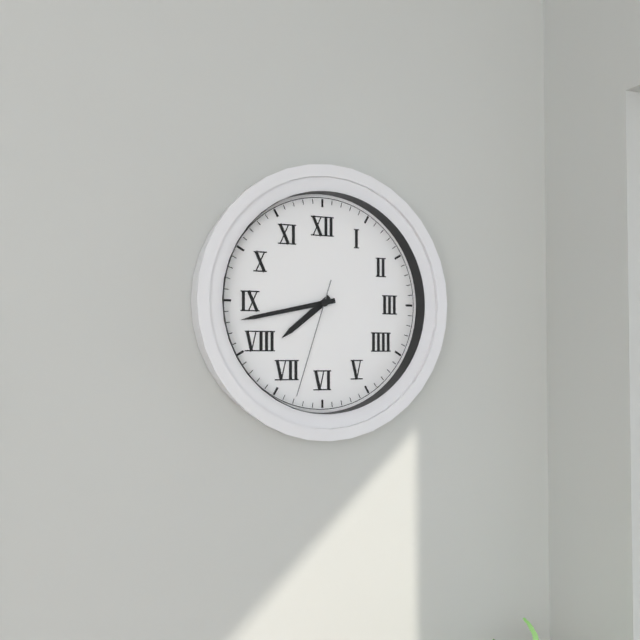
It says 7:43:33
